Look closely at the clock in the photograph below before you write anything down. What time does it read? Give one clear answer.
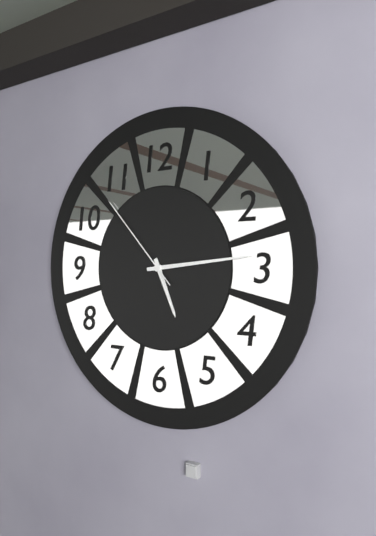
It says 5:14:53
